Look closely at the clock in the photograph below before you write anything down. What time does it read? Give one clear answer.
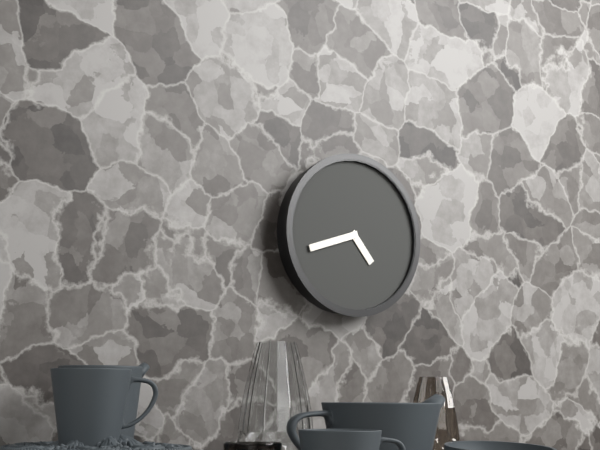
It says 4:42
